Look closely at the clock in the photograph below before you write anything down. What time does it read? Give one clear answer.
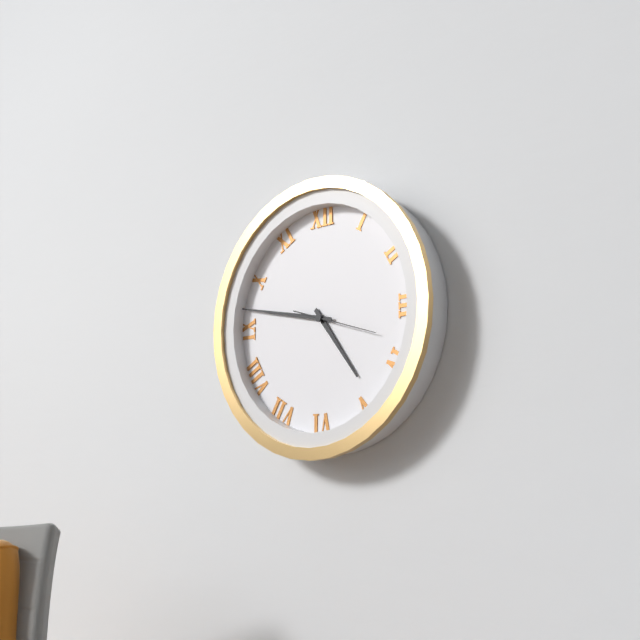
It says 4:47:18
